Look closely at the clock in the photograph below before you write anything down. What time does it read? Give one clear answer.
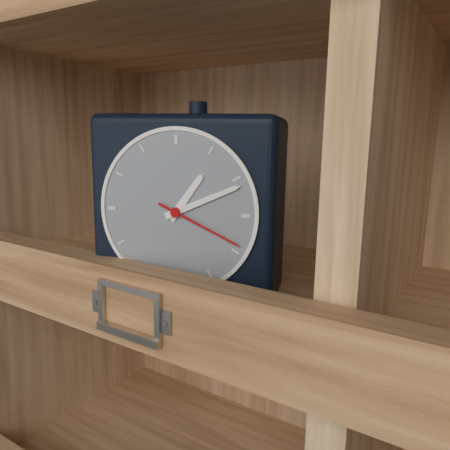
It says 1:11:19
